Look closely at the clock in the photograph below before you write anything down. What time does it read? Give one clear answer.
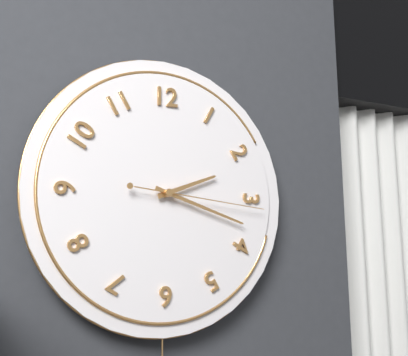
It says 2:18:16
